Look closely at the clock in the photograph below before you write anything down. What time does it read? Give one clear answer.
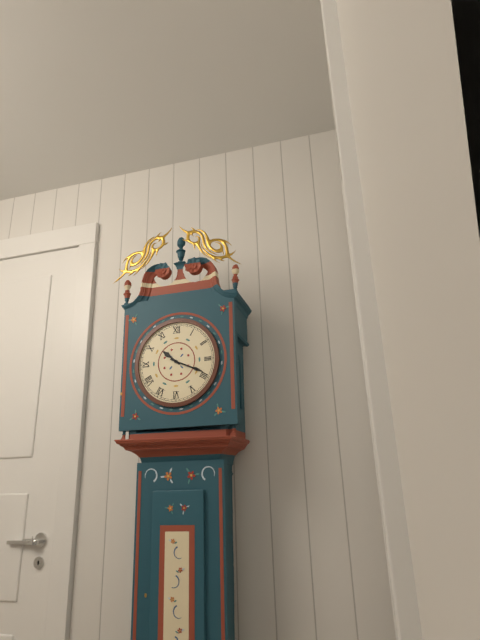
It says 10:19
